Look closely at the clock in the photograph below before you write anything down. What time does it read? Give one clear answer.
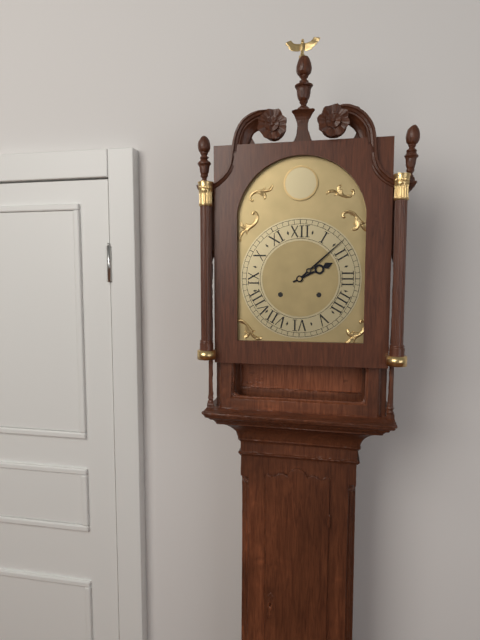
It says 2:08
